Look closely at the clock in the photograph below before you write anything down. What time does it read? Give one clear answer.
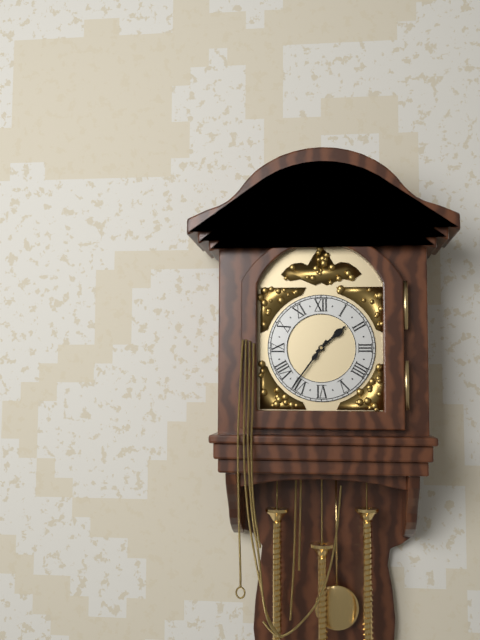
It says 1:36
